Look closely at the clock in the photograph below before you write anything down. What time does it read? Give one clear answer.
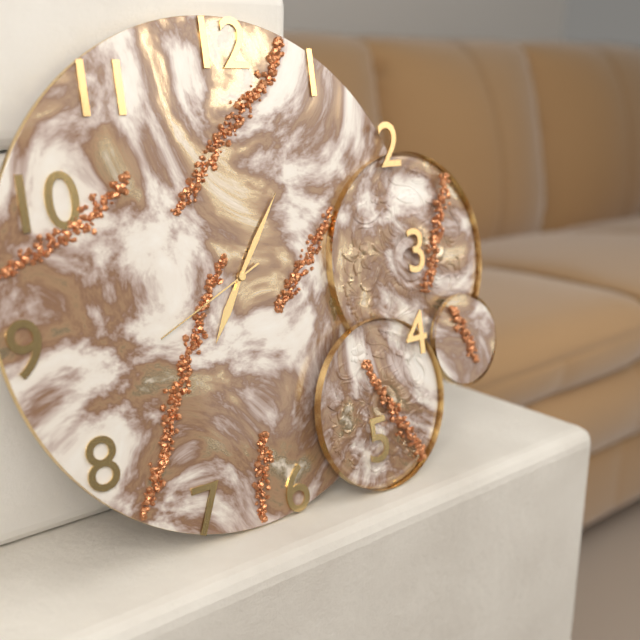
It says 7:06:41
